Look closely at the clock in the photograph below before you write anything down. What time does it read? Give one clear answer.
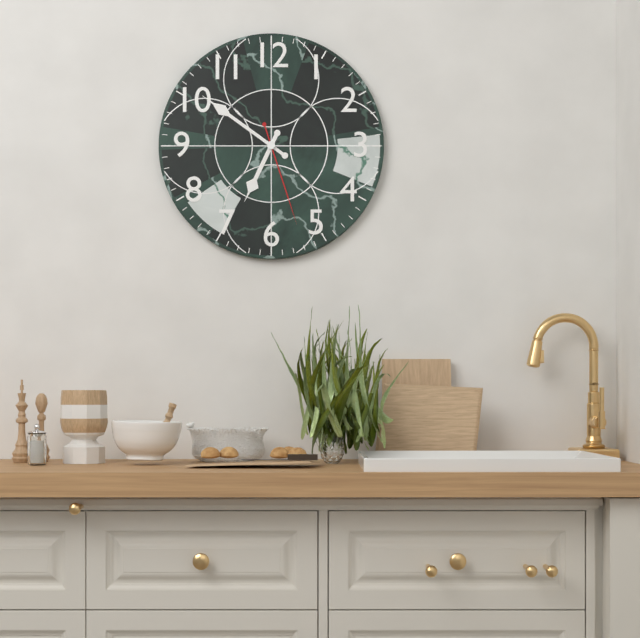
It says 6:51:27
